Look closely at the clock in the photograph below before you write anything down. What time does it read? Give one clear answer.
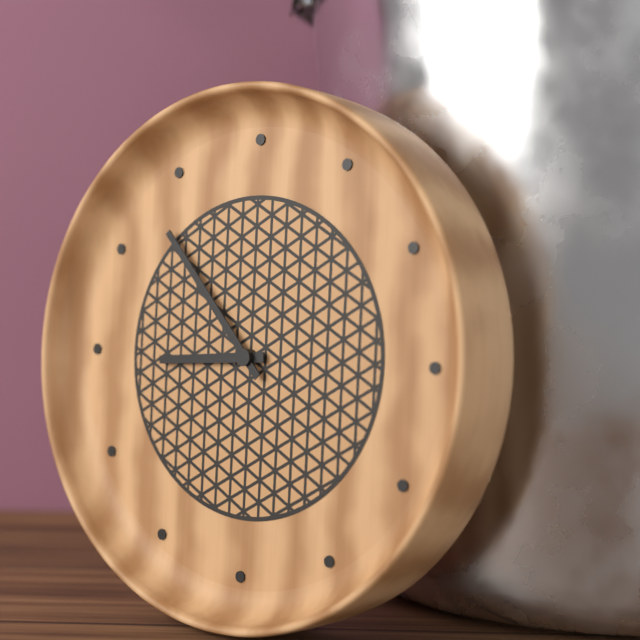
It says 8:53
